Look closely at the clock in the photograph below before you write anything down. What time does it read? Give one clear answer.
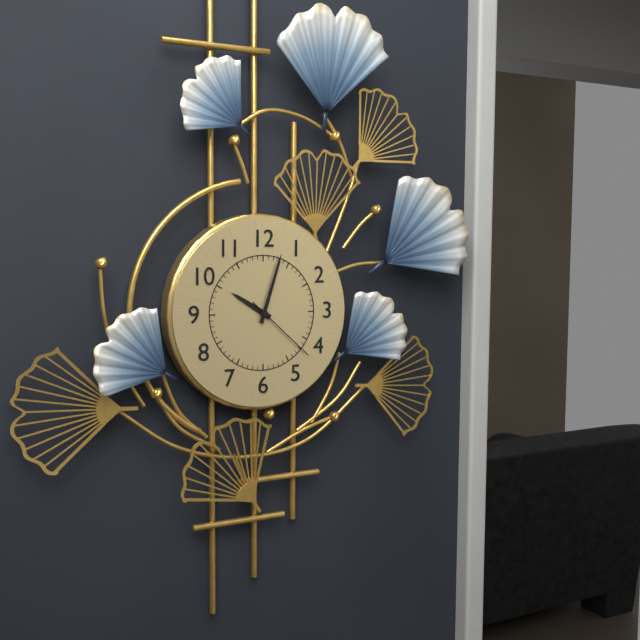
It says 10:03:22
